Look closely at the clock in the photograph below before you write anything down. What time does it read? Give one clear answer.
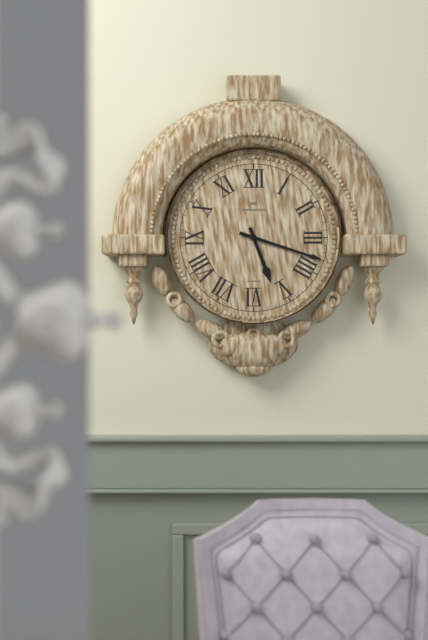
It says 5:18
